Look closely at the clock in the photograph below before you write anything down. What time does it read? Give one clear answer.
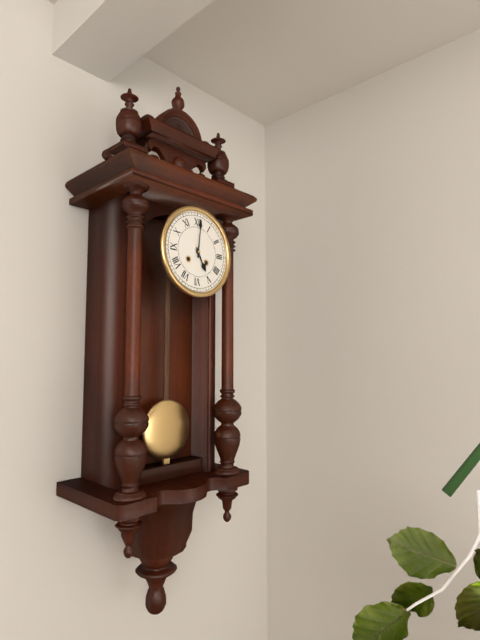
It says 5:01
